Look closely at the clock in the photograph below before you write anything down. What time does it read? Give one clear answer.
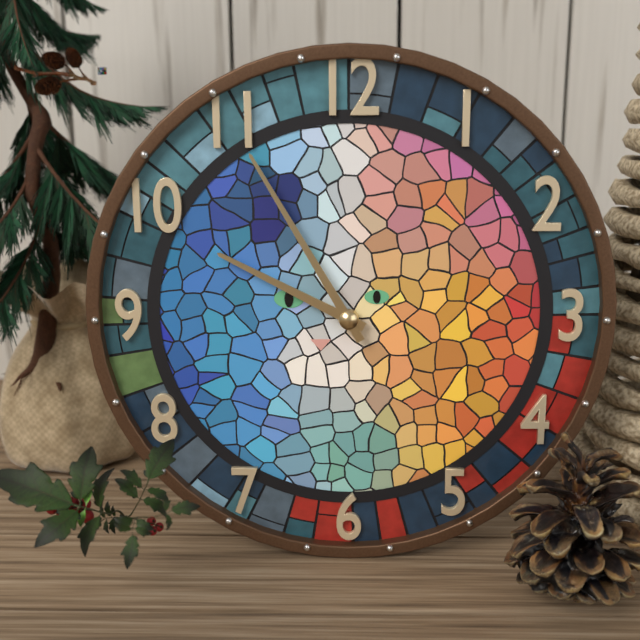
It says 9:55
